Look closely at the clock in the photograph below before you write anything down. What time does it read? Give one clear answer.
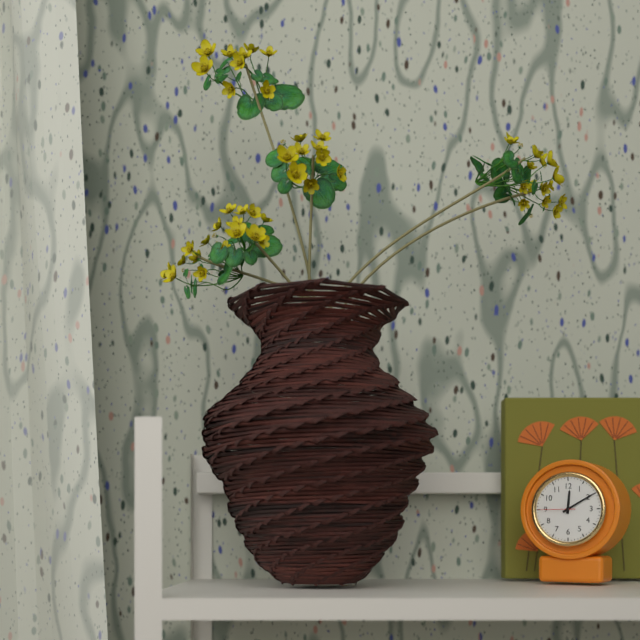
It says 12:10
